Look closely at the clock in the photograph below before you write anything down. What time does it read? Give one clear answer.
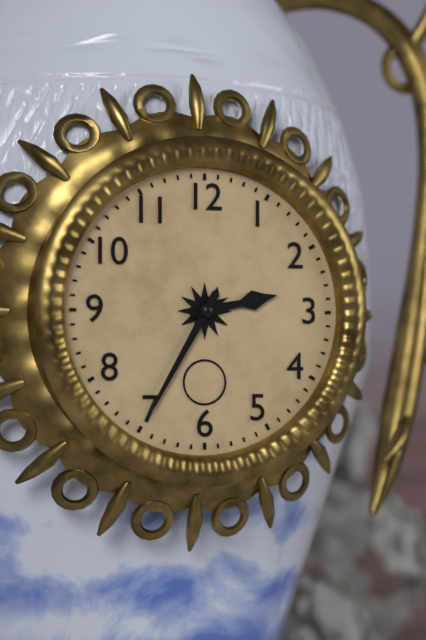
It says 2:35
